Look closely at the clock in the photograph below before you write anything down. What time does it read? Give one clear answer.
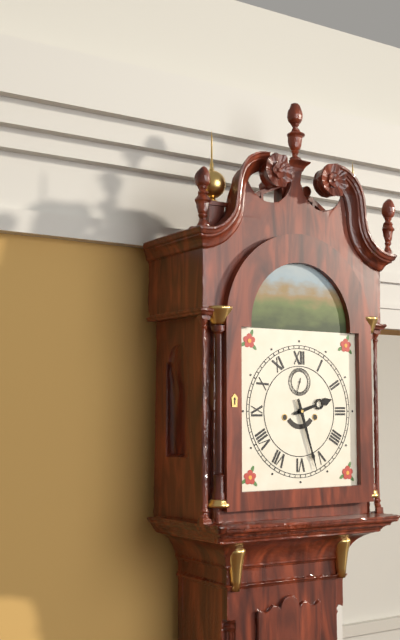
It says 2:27
